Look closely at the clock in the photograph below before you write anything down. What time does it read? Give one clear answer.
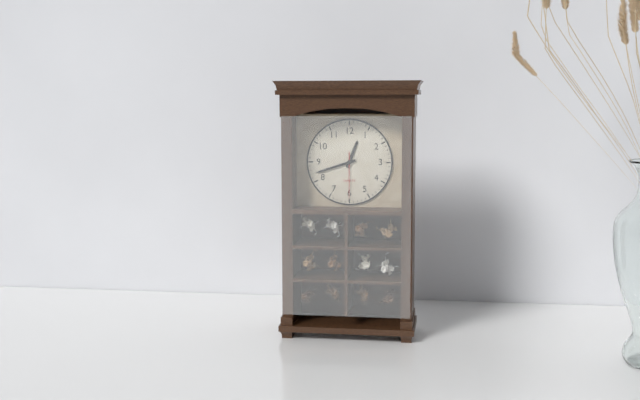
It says 12:42
